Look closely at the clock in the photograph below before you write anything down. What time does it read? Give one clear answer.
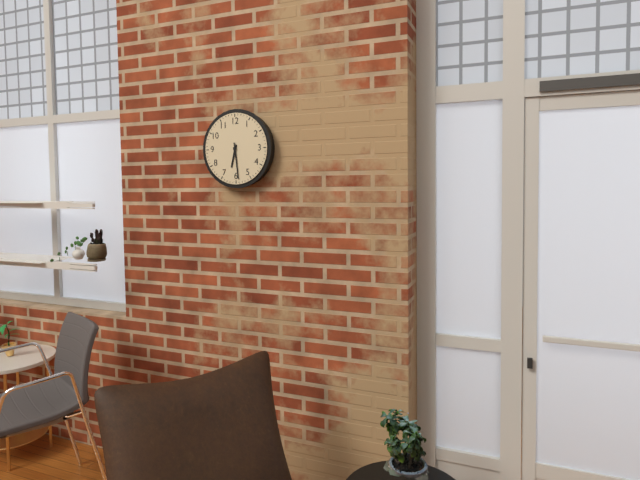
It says 6:29
